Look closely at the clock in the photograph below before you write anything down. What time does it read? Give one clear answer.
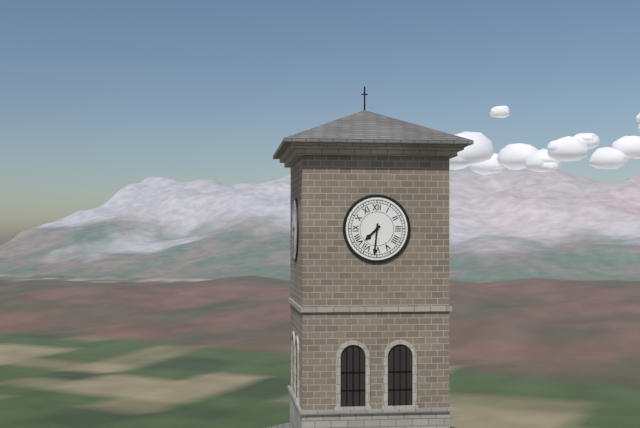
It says 7:31
